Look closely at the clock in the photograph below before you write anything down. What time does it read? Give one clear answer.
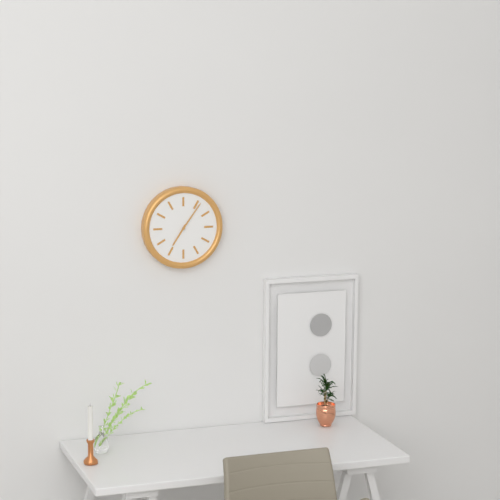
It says 7:06
